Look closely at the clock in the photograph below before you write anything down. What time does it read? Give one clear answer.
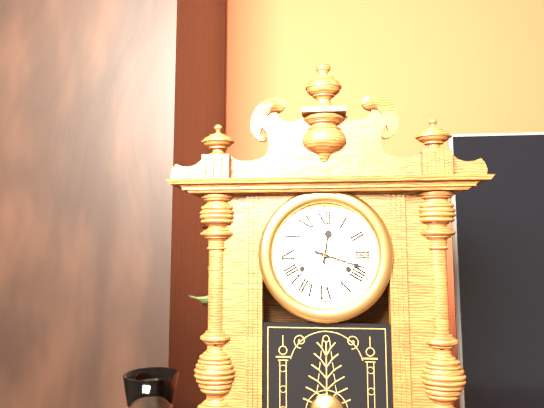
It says 12:18
